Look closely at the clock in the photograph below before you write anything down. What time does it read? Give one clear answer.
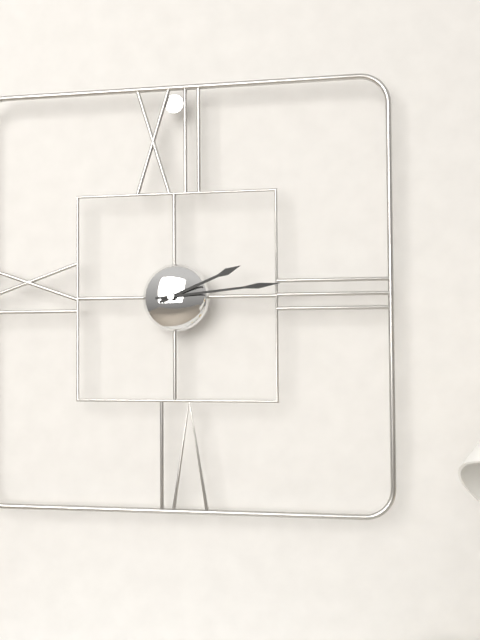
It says 2:14
